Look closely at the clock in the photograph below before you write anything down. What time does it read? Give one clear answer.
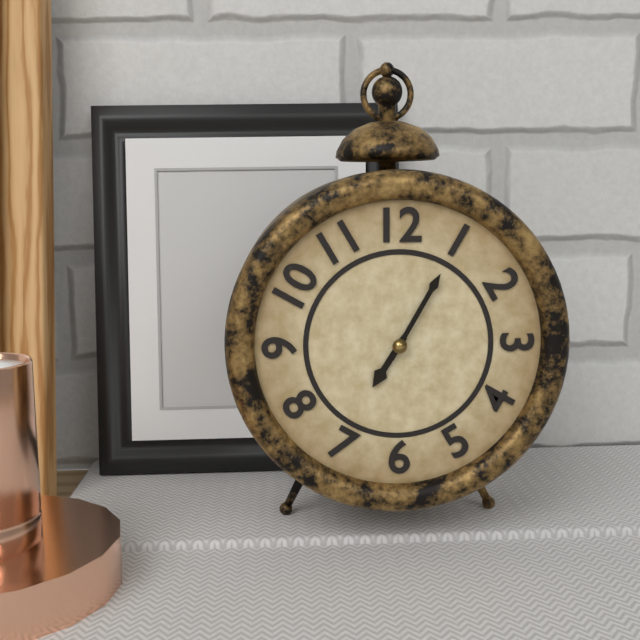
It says 7:05
